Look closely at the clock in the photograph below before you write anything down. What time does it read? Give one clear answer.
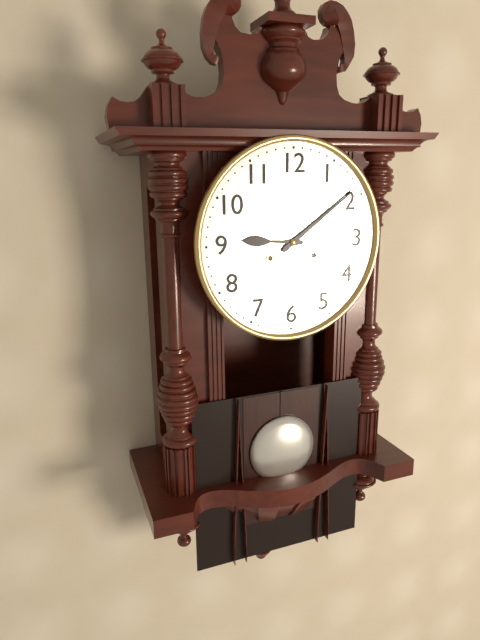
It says 9:09
